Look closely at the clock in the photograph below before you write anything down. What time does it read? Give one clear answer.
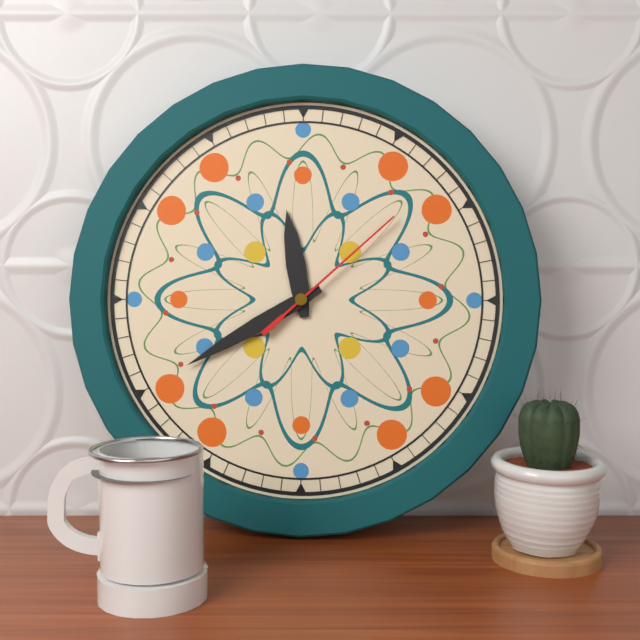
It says 11:40:08
